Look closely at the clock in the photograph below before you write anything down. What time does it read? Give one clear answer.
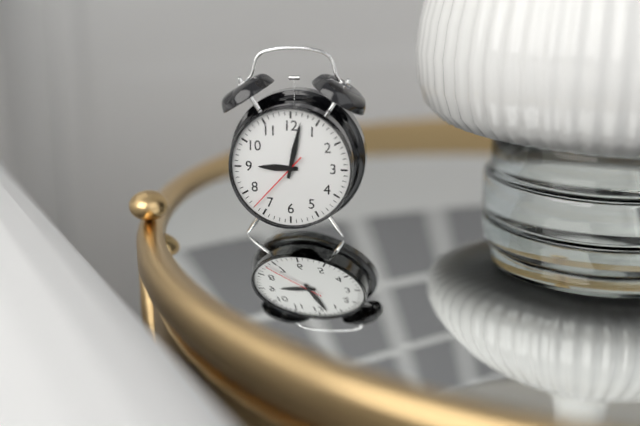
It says 9:02:37
